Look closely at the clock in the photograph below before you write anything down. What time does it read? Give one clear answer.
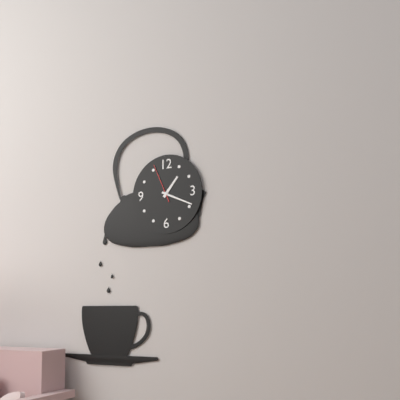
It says 1:19
